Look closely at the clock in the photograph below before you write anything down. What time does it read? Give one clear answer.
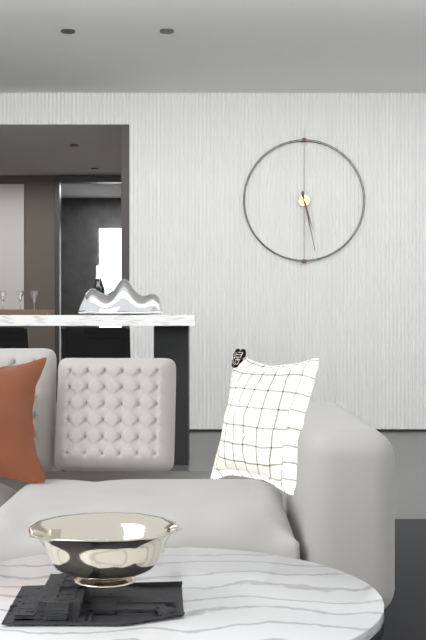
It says 5:28
